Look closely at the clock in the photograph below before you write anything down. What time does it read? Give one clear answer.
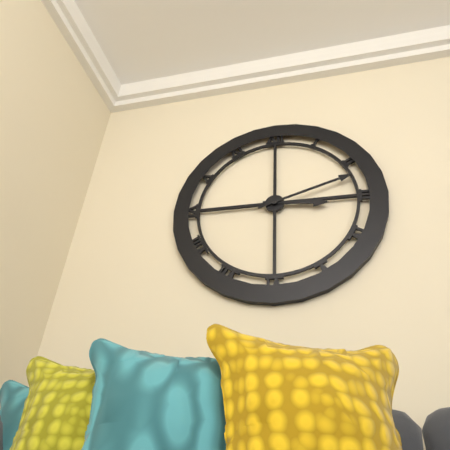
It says 3:12
